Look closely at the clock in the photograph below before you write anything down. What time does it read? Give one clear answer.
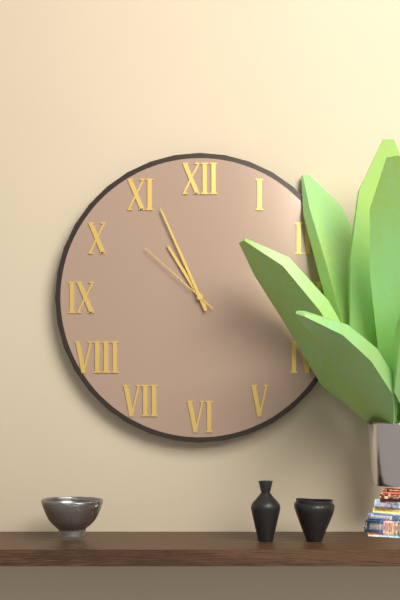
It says 10:56:52
